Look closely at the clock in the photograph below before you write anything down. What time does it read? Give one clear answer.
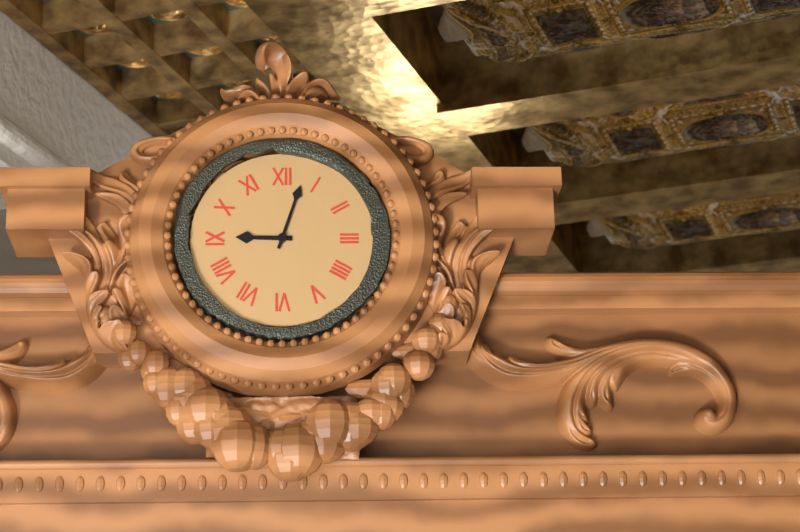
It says 9:03
